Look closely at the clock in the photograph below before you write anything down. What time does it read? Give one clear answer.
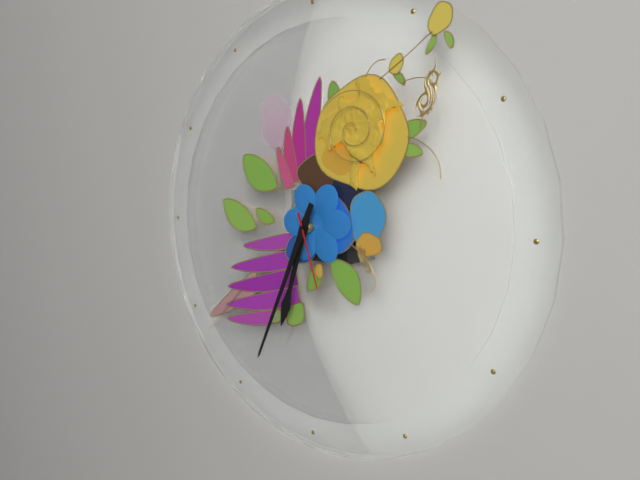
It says 6:34:27
